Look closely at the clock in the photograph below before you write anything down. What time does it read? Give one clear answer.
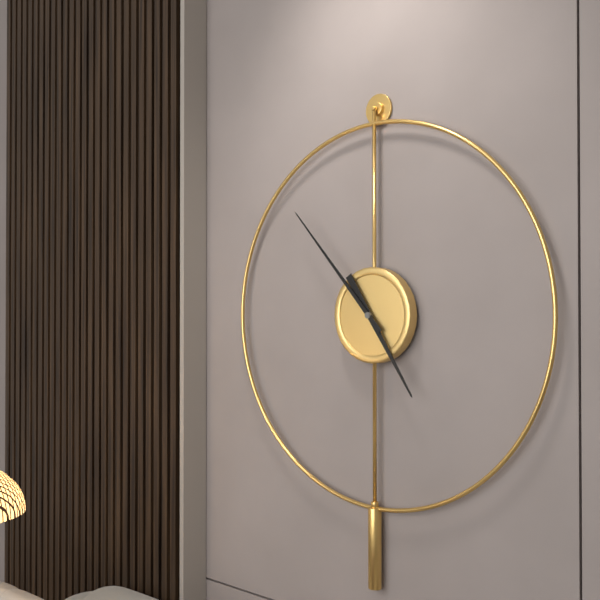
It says 4:53
